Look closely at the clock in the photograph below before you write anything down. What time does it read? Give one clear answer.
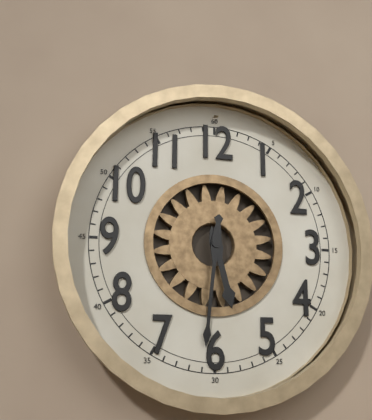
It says 5:31
